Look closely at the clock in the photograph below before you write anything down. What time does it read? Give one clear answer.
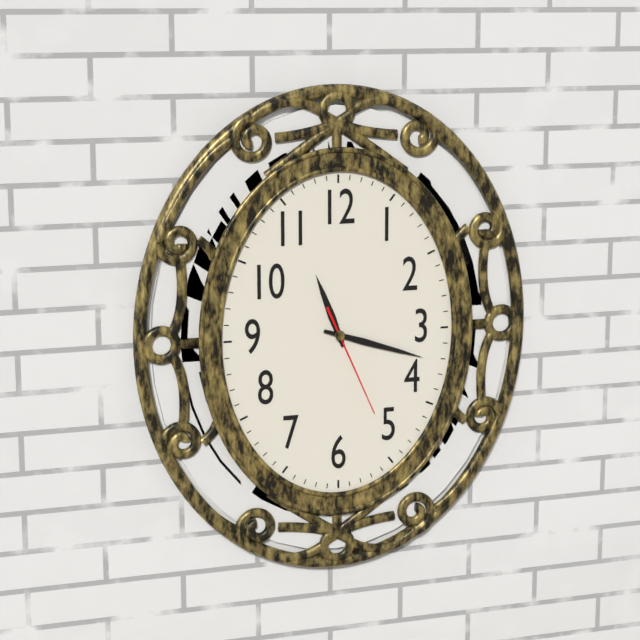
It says 11:18:26
